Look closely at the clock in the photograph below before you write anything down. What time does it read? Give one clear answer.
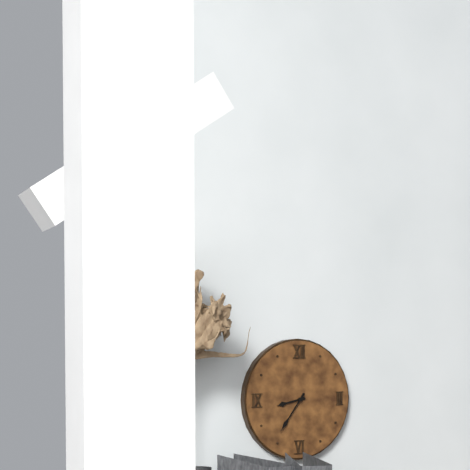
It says 8:36
